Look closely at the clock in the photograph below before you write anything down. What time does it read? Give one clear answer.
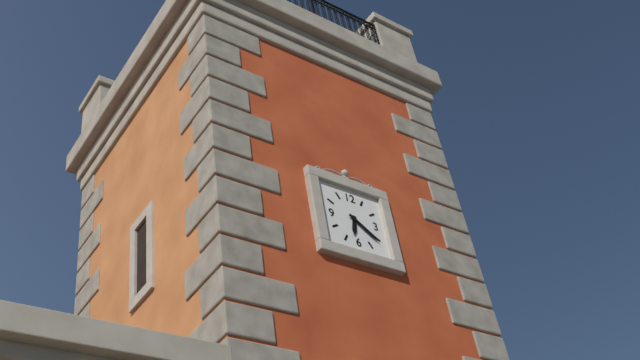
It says 6:21
